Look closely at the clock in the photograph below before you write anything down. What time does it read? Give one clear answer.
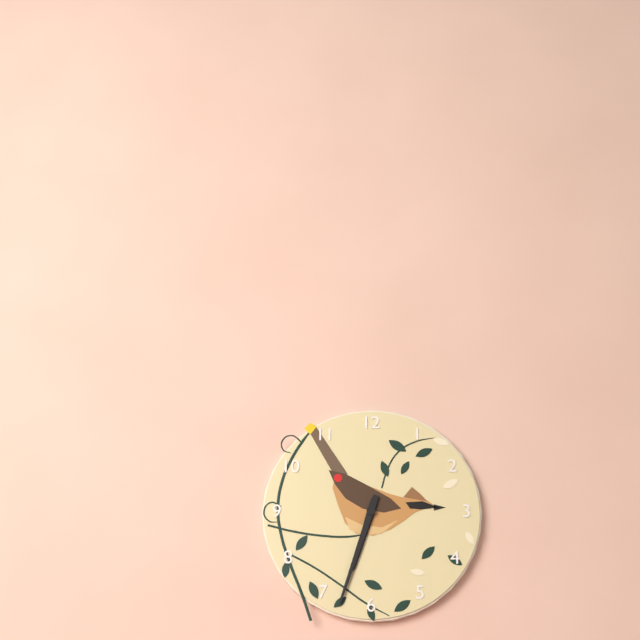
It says 6:33
